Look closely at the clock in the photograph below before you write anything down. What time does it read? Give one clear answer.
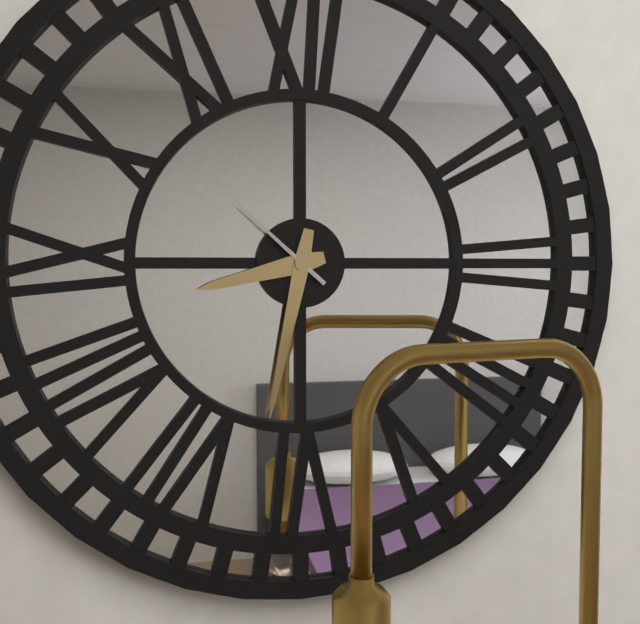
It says 8:32:52
